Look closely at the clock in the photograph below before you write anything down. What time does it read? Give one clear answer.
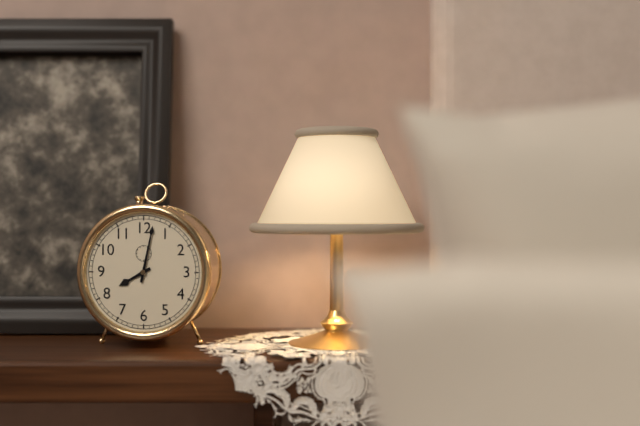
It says 8:02
